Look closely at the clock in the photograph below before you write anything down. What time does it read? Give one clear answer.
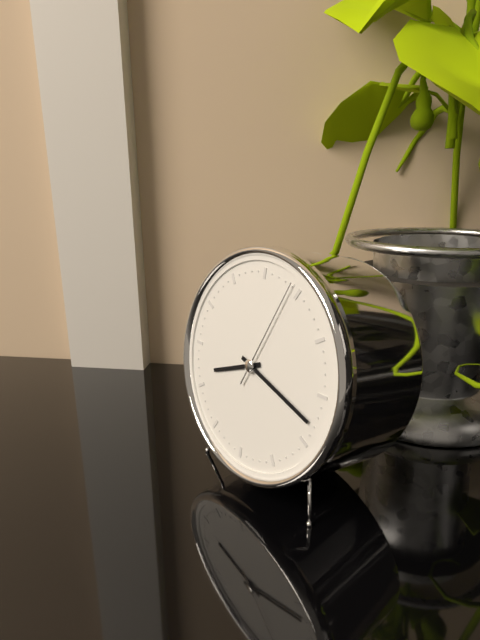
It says 8:18:04
